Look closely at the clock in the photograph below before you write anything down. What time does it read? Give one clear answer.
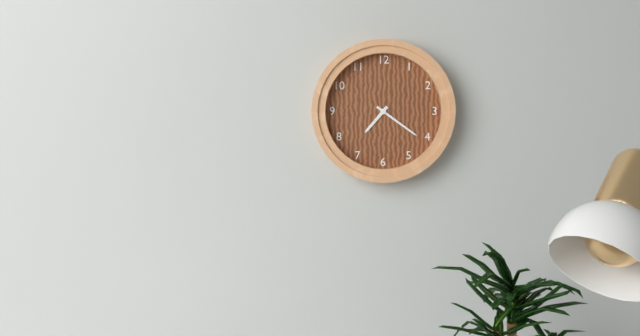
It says 7:21
